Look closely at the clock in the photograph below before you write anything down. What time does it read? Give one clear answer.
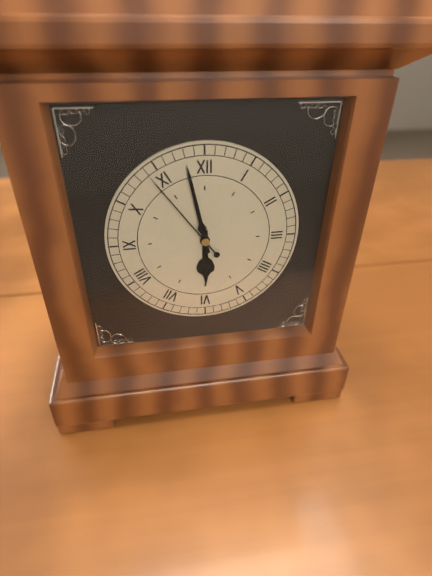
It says 5:58:54
